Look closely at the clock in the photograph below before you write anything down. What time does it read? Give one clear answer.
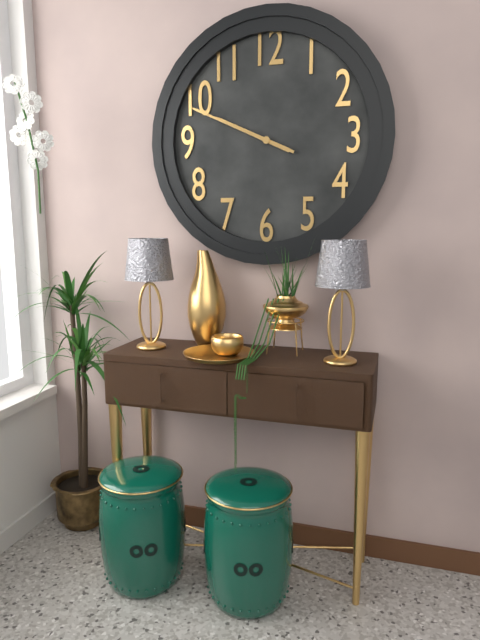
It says 9:49
